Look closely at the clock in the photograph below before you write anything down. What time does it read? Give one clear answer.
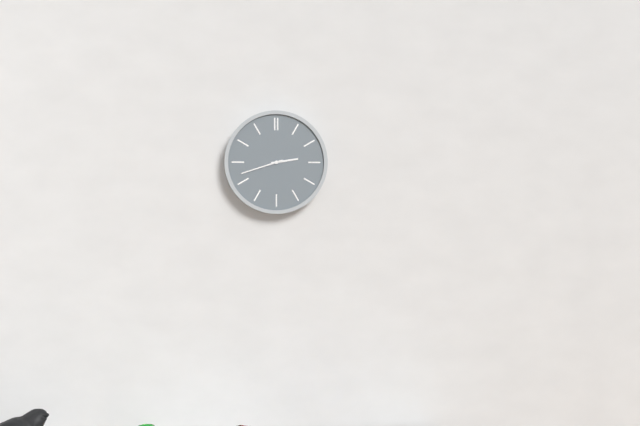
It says 2:42
